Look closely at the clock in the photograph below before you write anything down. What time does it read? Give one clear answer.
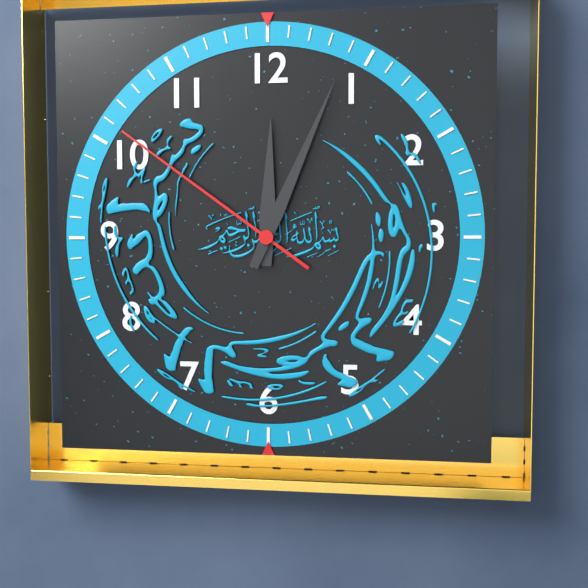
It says 12:04:51
